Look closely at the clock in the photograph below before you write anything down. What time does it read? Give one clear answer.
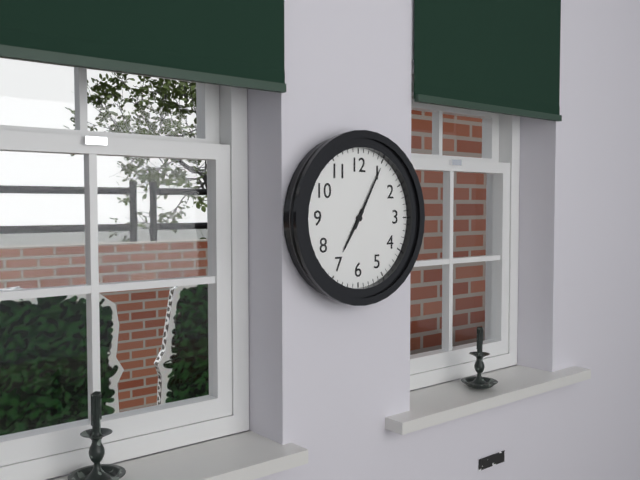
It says 7:05
